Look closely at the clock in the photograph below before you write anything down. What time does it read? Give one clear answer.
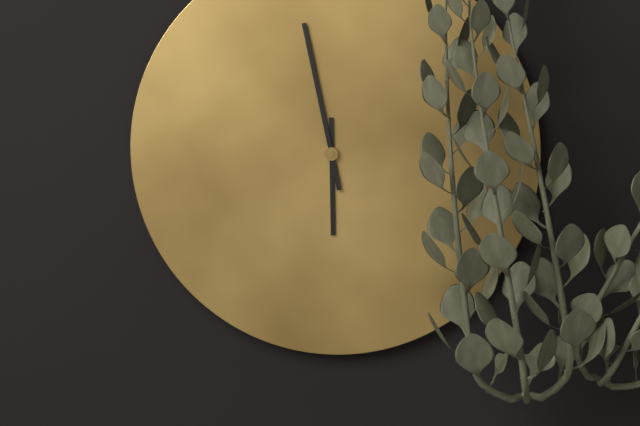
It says 5:58
